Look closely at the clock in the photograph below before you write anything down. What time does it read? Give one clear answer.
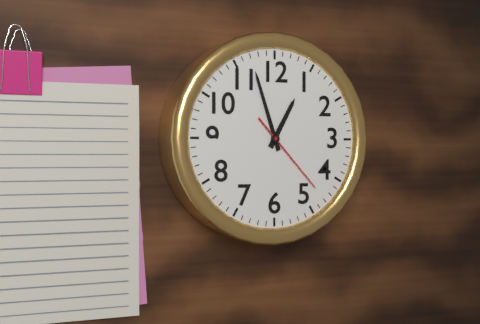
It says 12:57:23
